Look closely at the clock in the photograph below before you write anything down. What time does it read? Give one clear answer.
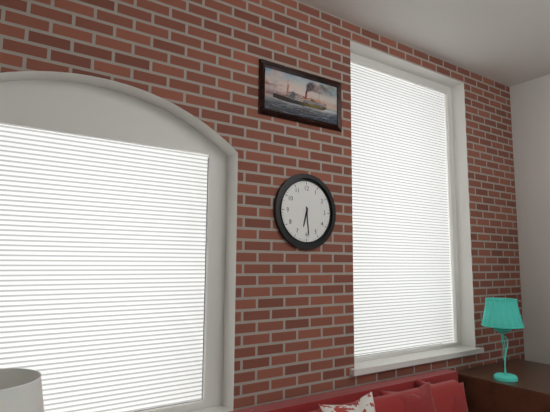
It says 6:29
